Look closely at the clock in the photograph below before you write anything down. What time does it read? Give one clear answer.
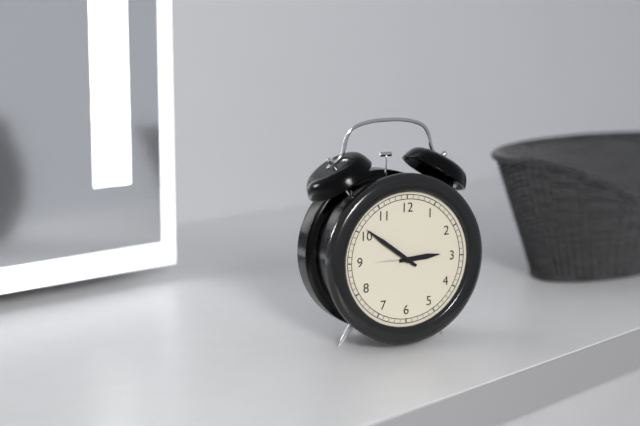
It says 2:51
